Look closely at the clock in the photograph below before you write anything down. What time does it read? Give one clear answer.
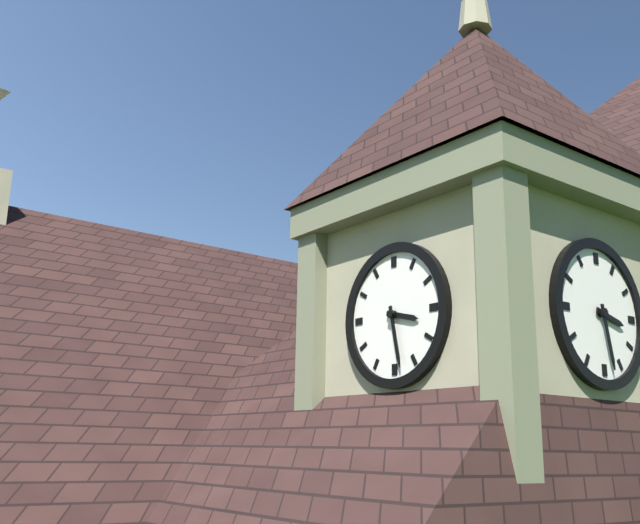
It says 3:28
